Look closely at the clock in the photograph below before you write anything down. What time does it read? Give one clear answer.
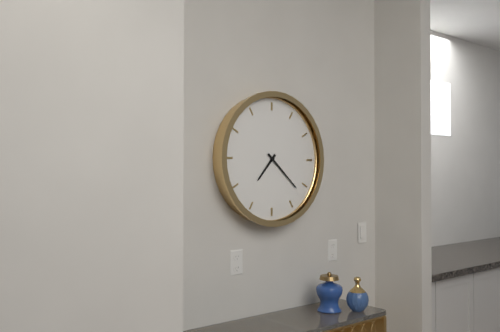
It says 7:22
